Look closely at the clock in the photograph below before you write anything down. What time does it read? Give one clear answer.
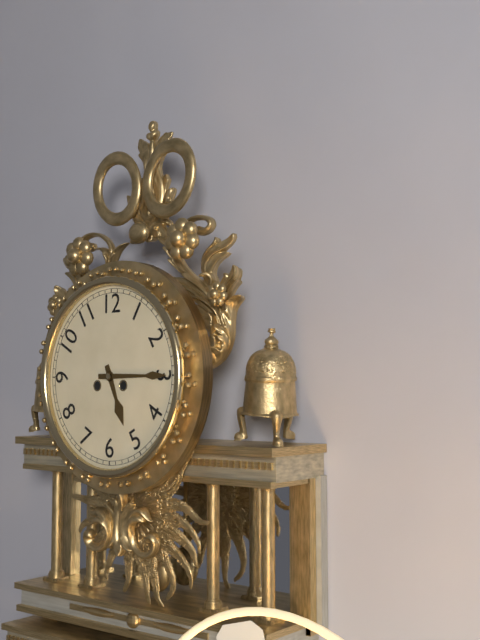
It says 5:15
